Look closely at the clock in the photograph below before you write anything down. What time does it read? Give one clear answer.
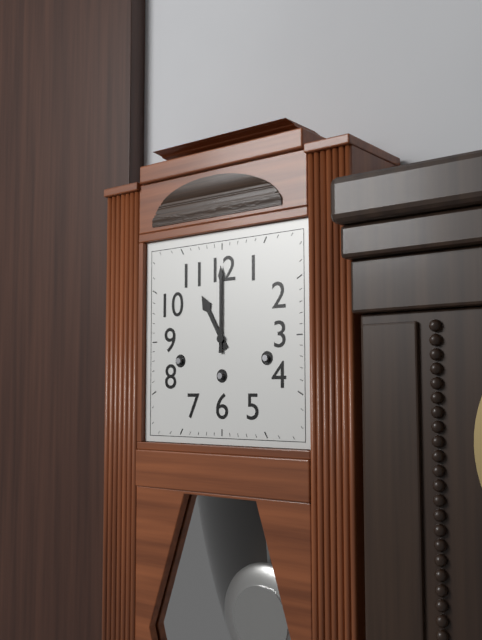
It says 11:00
